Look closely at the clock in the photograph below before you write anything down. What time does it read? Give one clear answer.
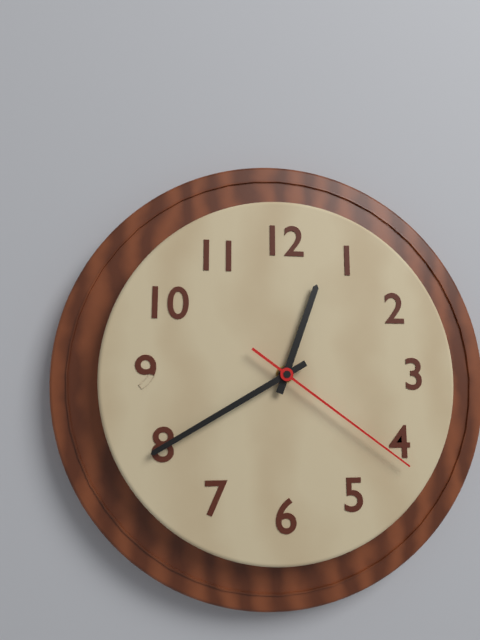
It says 12:40:21
